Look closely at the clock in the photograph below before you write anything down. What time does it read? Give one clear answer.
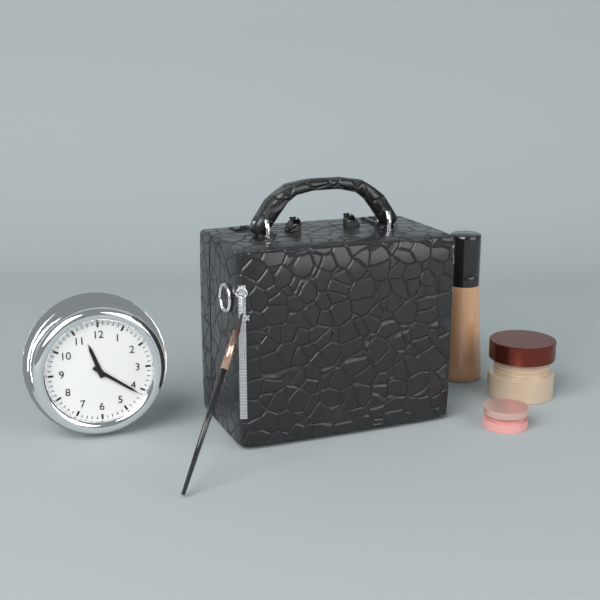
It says 11:21
